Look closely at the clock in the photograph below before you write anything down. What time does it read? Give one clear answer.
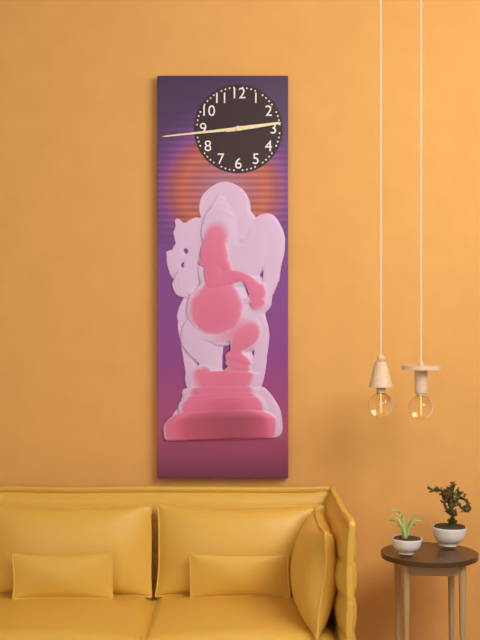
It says 2:44
